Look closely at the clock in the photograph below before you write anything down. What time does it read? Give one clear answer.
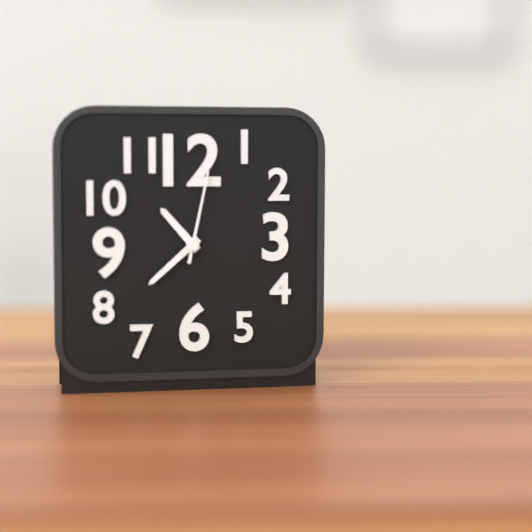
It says 10:38:02
